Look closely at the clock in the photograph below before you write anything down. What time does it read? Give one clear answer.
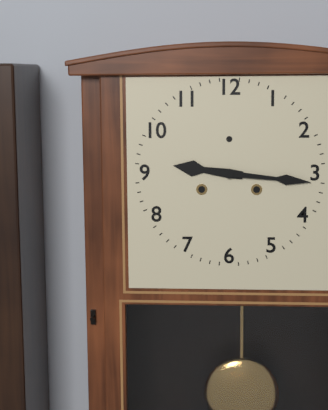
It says 9:16
